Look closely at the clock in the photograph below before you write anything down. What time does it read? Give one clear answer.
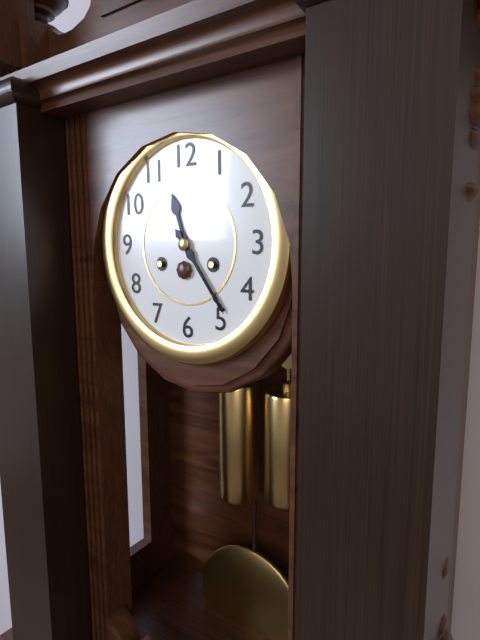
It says 11:24
